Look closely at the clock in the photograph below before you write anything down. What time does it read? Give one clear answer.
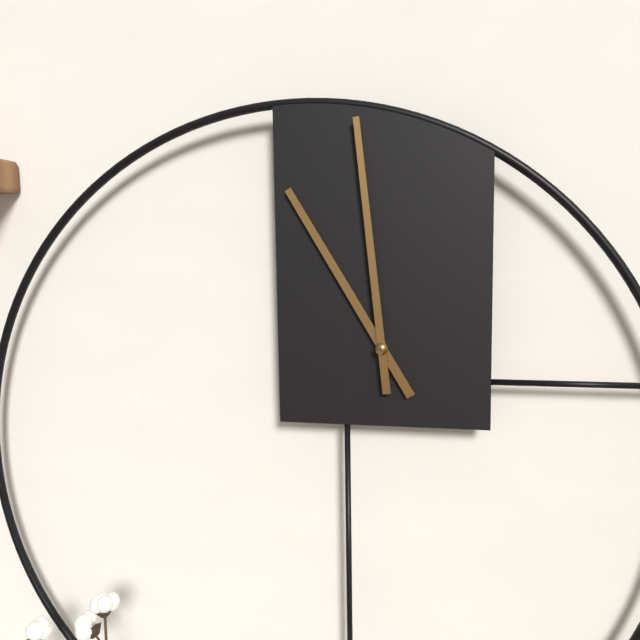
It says 10:59
